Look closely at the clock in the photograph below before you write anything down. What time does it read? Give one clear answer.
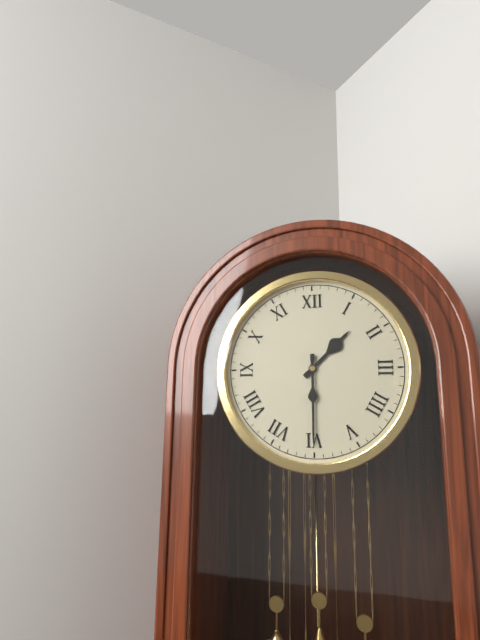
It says 1:30
